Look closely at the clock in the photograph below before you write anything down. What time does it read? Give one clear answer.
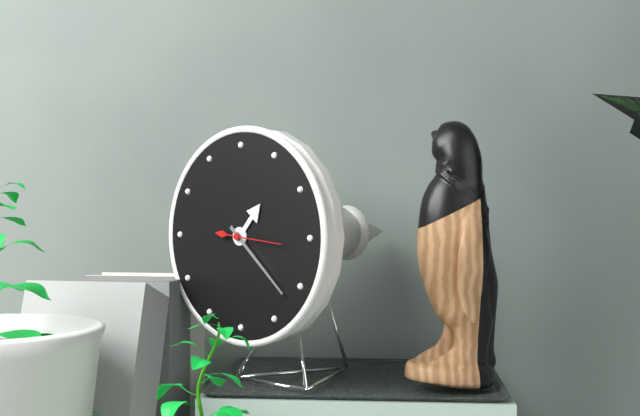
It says 1:22:16
